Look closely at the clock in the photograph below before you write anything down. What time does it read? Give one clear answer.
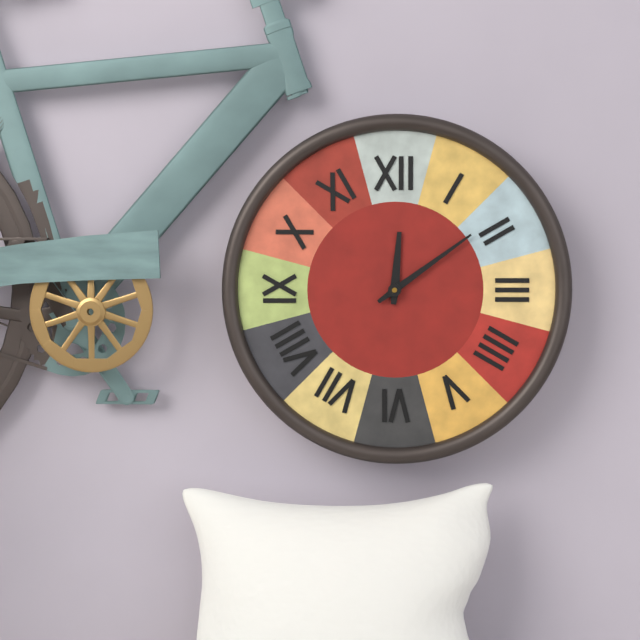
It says 12:09
